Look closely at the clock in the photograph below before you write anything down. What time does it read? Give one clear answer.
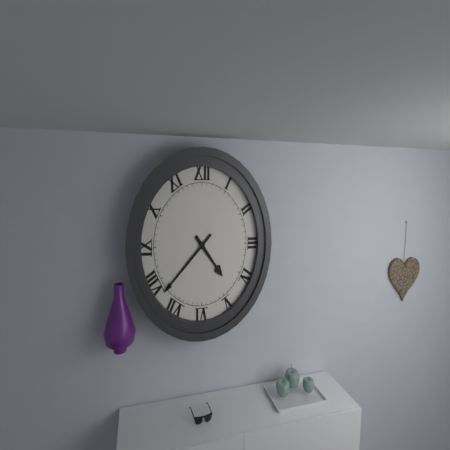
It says 4:38
